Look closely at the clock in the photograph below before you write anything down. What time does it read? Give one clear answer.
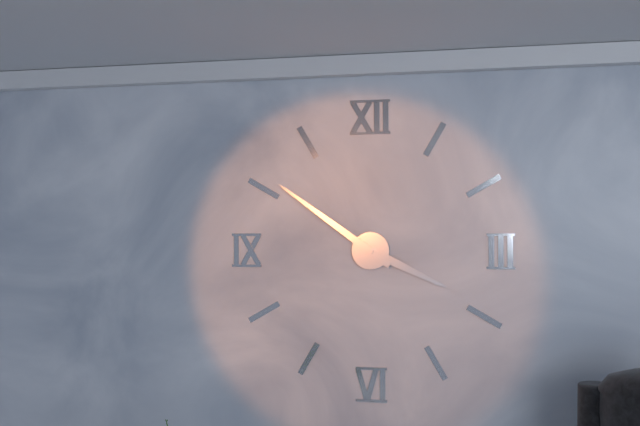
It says 3:51
